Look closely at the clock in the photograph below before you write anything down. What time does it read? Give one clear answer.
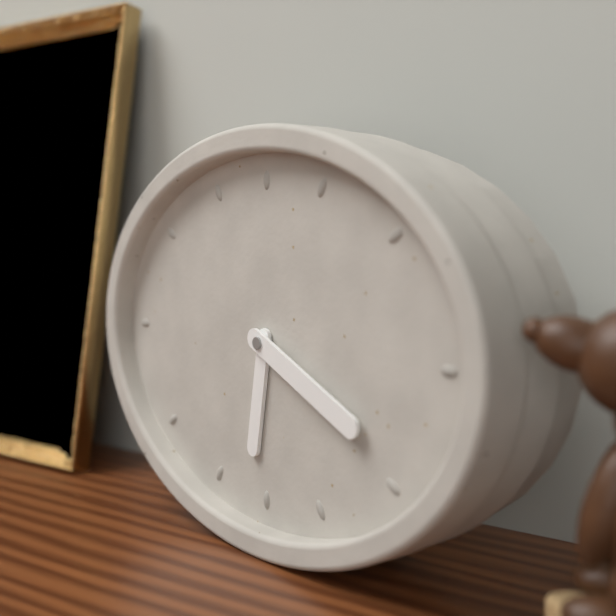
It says 6:19
